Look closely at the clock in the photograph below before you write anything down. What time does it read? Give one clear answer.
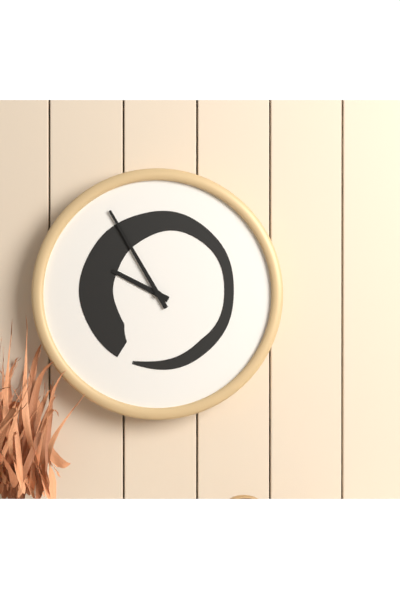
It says 9:55
